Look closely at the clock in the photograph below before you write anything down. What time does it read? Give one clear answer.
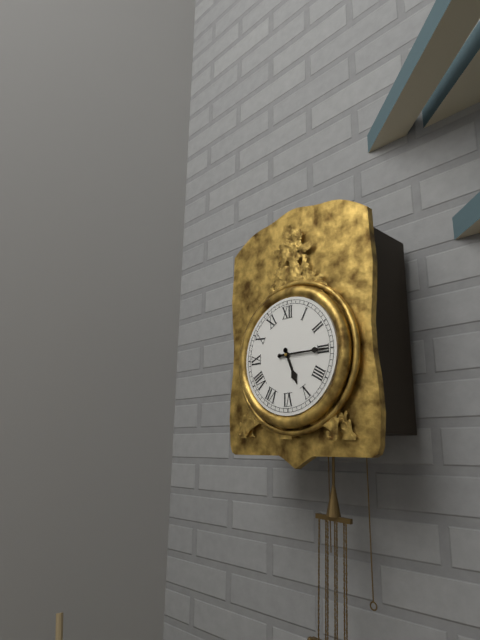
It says 5:15
